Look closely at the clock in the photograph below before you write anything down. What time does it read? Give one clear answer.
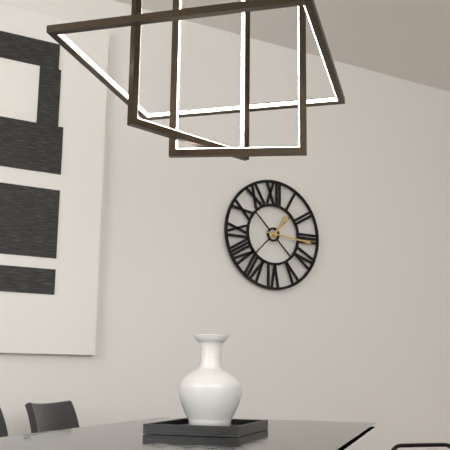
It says 1:16
